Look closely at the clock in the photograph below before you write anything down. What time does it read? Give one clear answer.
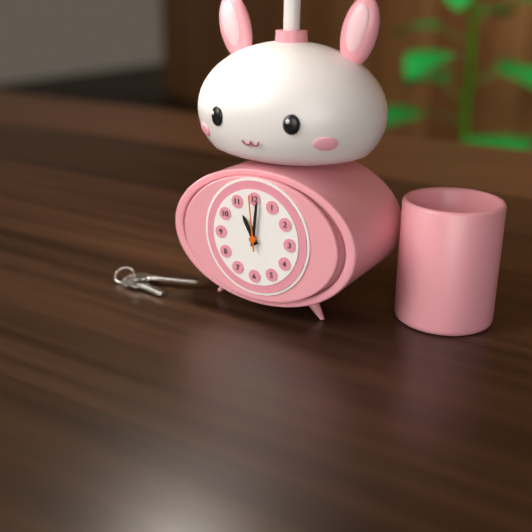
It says 11:01:59
